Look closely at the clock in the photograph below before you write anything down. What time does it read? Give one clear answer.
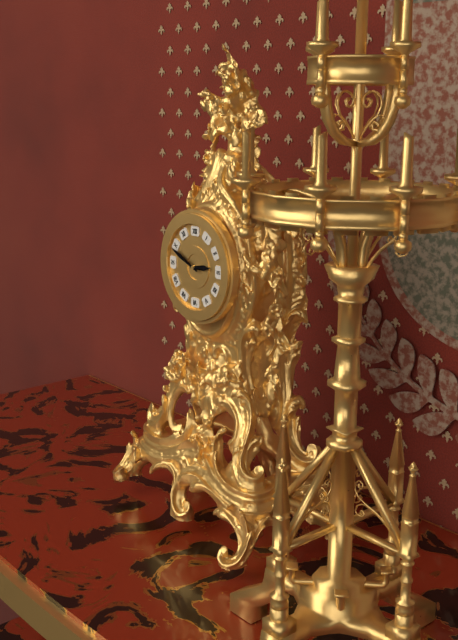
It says 2:49
